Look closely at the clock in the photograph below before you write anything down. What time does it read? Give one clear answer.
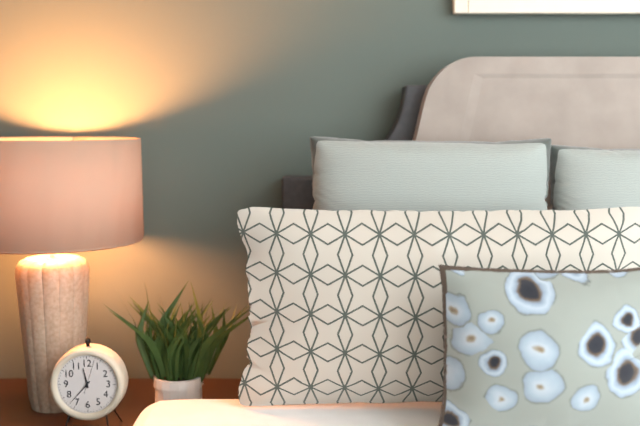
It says 11:37
